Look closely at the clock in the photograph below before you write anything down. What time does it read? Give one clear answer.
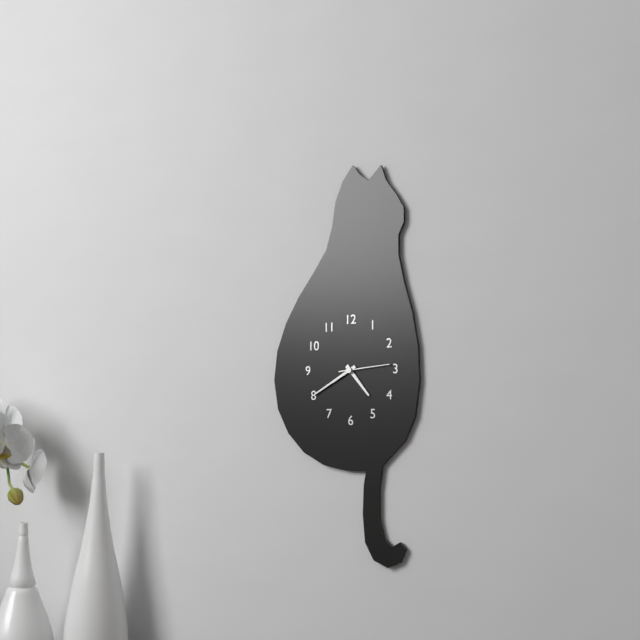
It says 4:40:14
